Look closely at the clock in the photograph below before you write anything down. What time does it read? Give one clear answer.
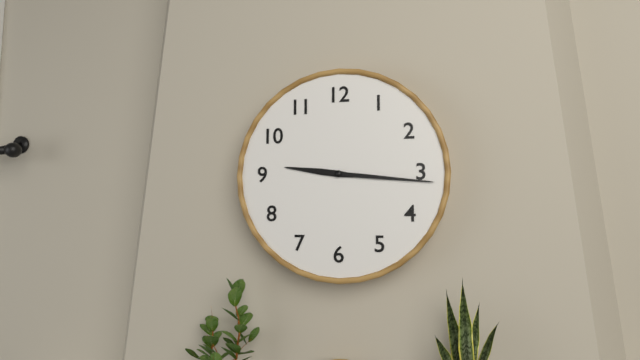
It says 9:16
